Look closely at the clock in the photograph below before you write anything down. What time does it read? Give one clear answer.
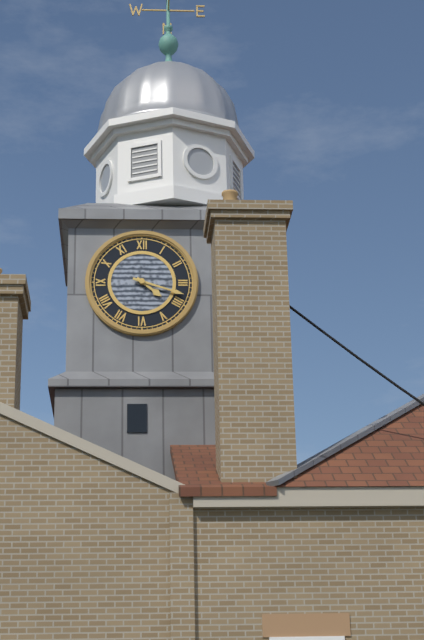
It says 4:18
